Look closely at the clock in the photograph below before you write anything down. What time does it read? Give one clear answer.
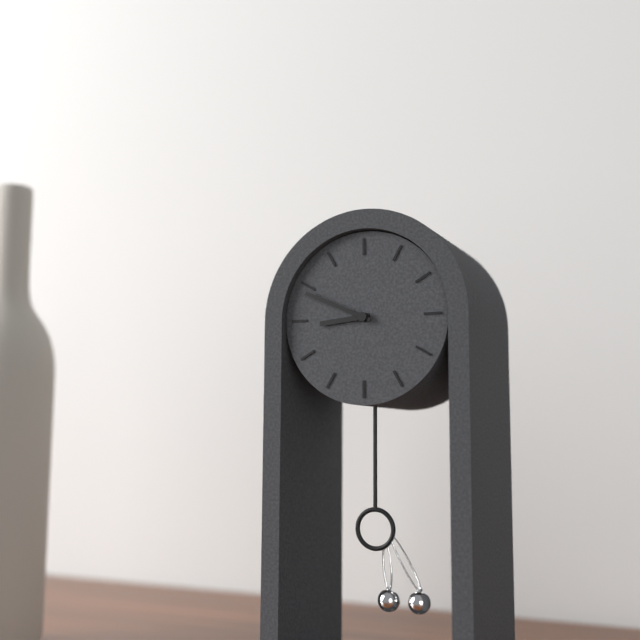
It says 8:49
